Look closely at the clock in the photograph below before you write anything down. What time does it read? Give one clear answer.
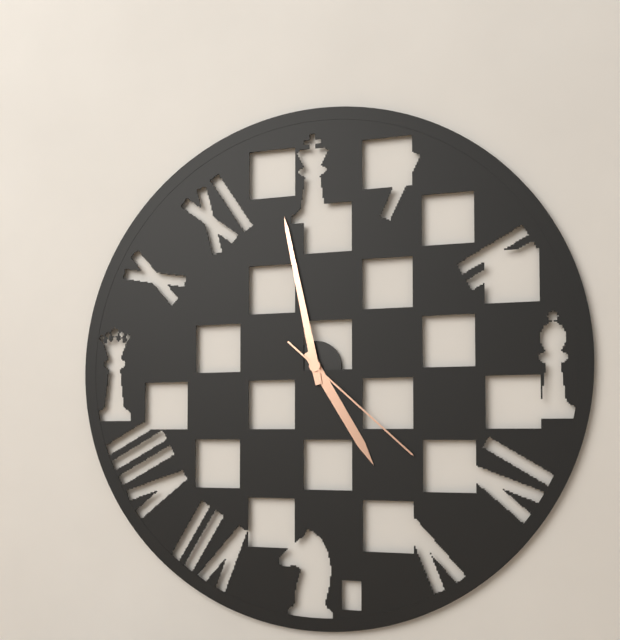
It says 4:58:22
